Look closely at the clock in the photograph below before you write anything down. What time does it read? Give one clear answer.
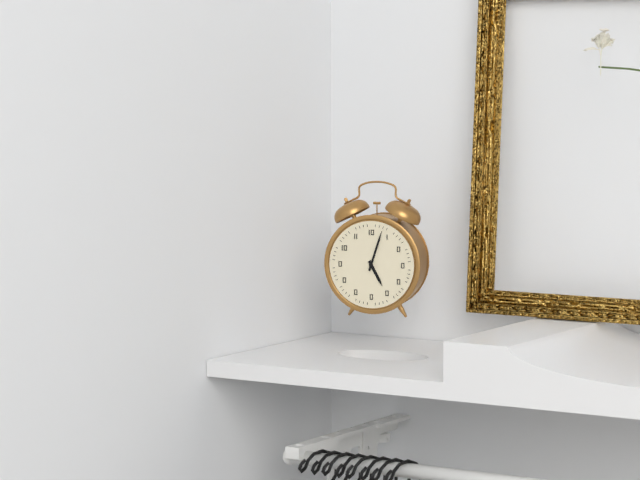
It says 5:03
